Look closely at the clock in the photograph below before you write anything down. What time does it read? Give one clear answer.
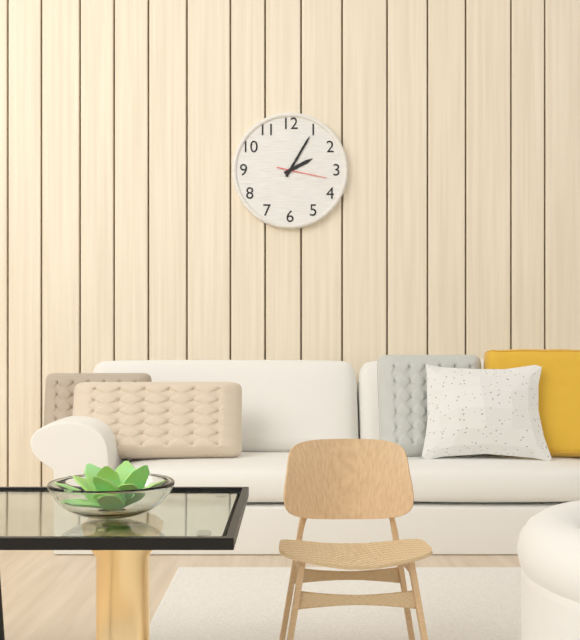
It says 2:05
